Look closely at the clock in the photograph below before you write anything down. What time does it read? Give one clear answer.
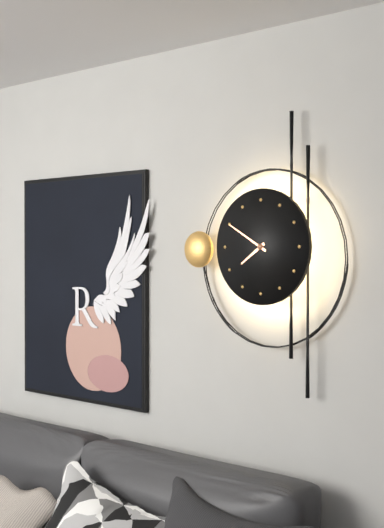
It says 7:50
